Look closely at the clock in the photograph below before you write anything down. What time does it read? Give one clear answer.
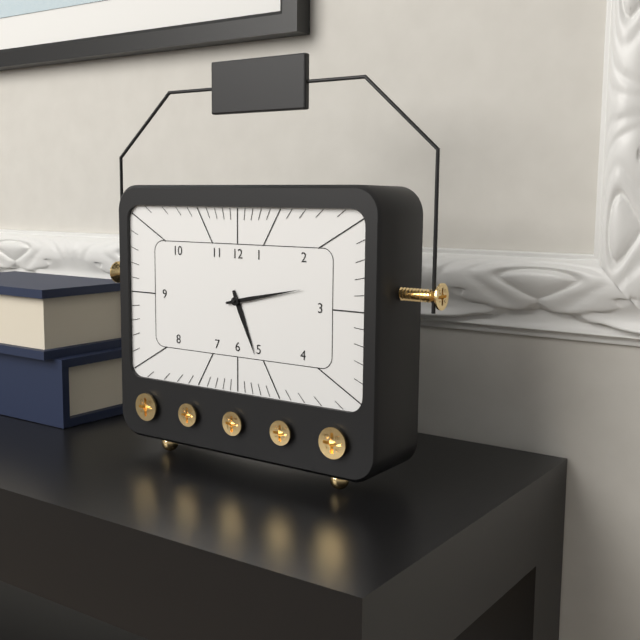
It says 5:13
